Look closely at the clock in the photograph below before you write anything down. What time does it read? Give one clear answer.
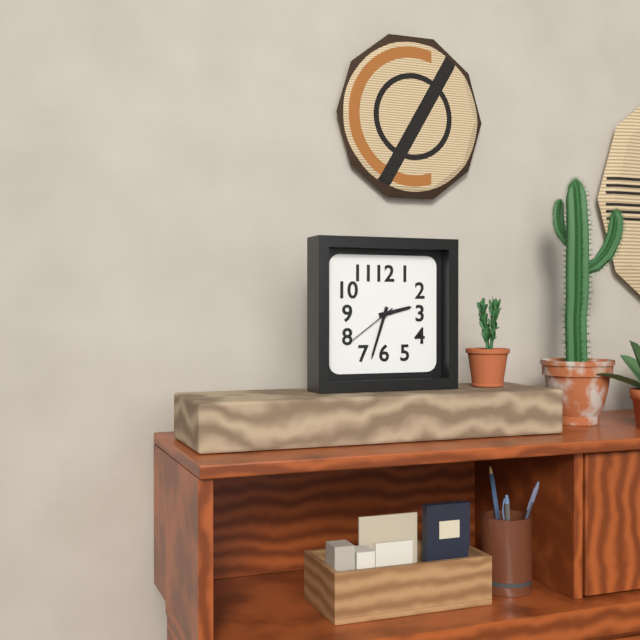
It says 2:33:39
